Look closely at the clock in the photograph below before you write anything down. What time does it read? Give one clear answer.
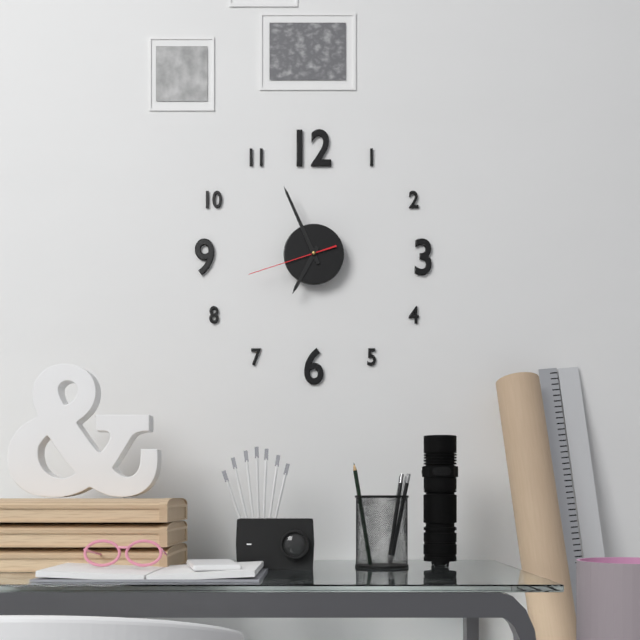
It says 6:56:42
